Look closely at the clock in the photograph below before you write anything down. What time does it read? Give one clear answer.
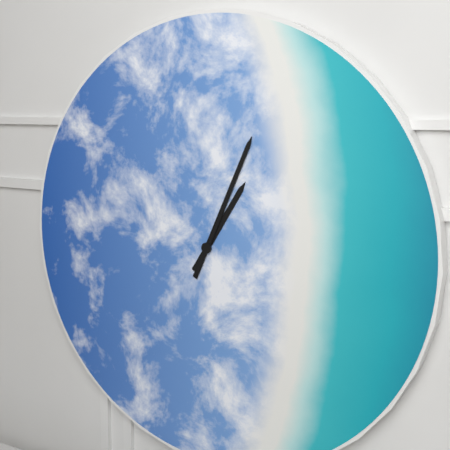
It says 1:04
